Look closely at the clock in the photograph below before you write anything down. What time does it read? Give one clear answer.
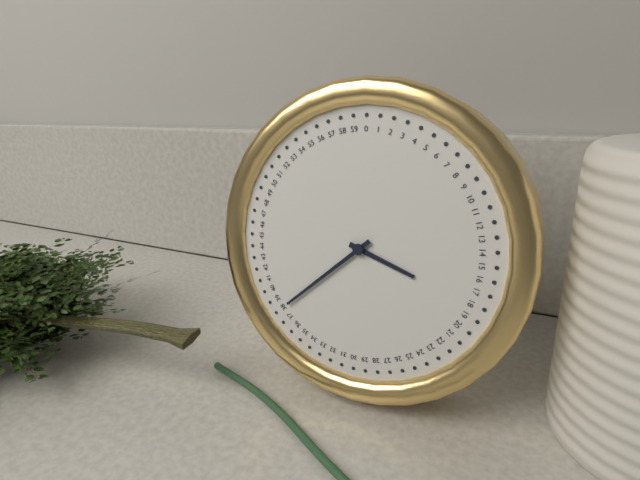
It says 3:38
